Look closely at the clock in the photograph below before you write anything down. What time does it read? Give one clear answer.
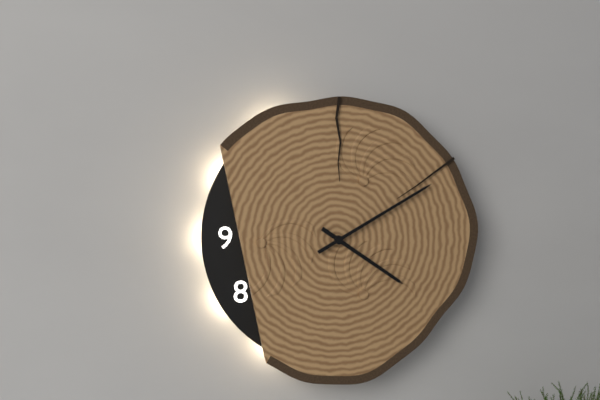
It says 4:10
